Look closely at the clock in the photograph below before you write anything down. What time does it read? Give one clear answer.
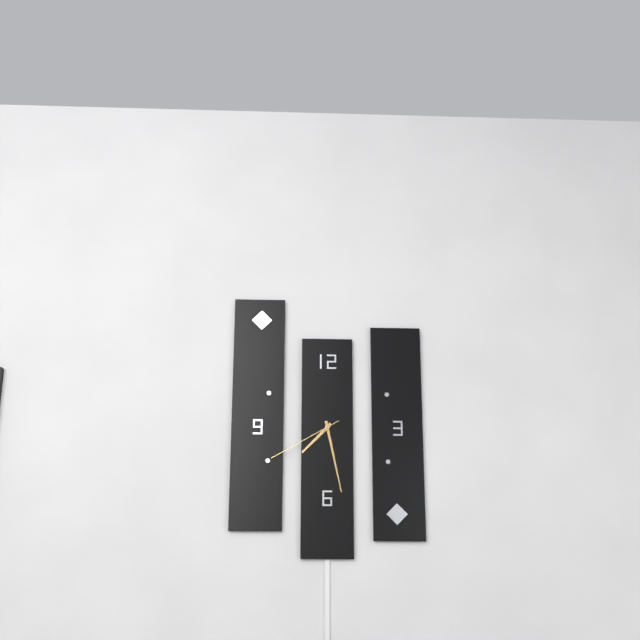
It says 7:28:40
